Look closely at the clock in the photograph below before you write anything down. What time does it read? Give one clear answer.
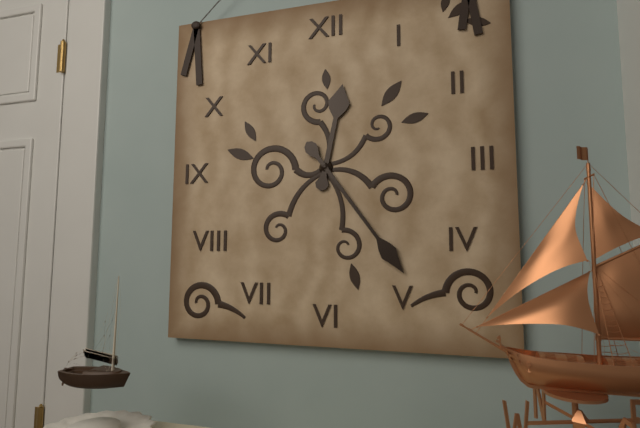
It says 12:24
